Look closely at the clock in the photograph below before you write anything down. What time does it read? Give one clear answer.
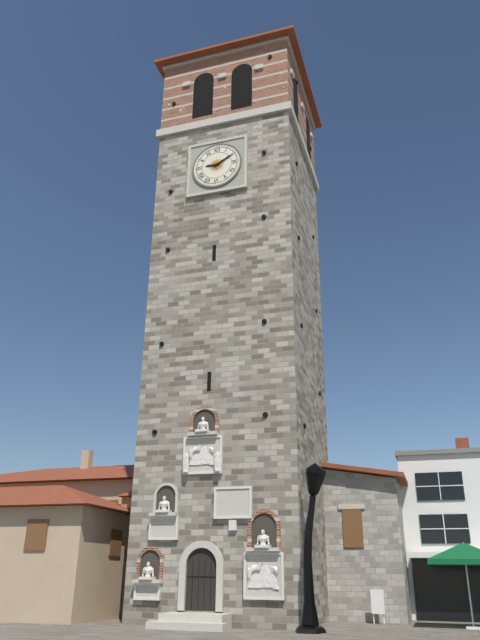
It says 9:10
